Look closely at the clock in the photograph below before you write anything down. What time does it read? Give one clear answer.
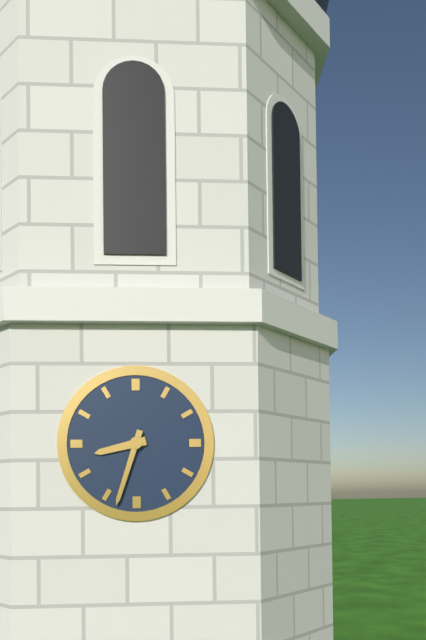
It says 8:33
